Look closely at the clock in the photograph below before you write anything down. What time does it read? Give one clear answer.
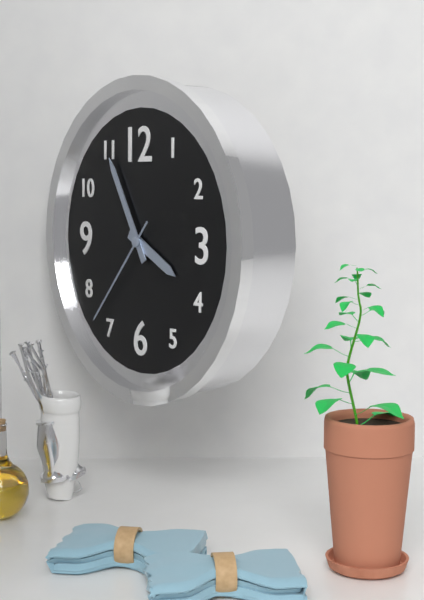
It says 3:55:37
